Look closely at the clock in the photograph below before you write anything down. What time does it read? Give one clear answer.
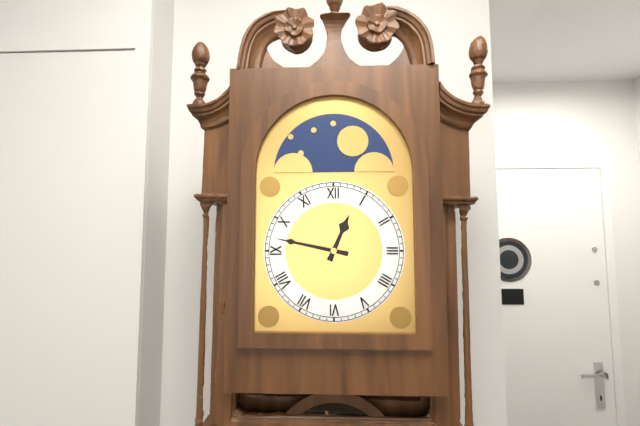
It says 12:47
